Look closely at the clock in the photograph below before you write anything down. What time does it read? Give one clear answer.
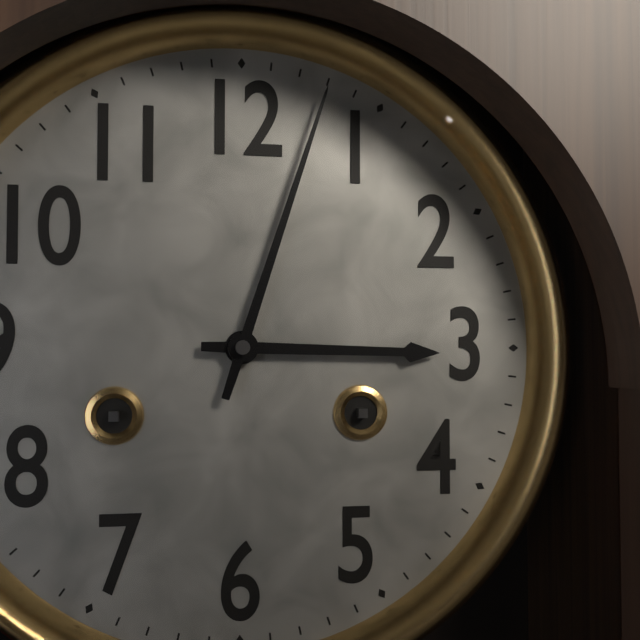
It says 3:03
